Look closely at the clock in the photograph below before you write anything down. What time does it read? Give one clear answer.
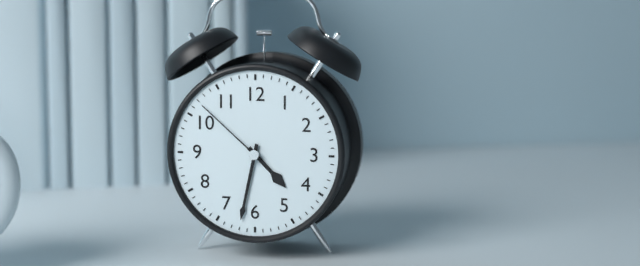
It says 4:32:52
